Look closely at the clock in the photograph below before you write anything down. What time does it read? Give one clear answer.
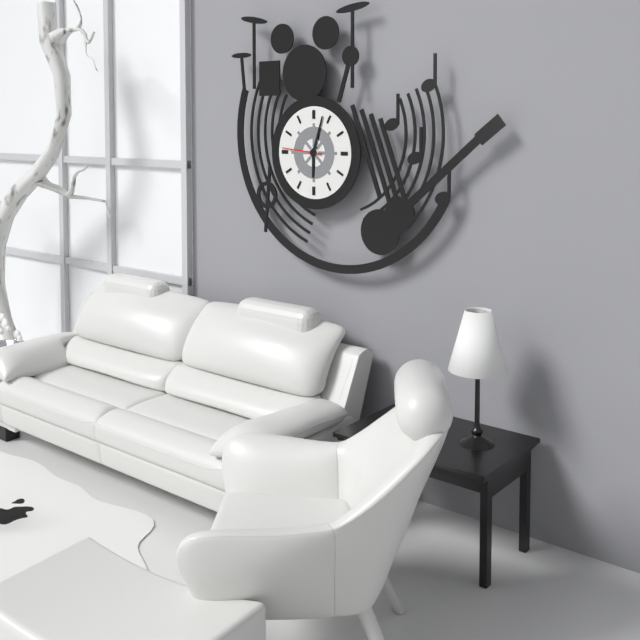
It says 6:03:46
